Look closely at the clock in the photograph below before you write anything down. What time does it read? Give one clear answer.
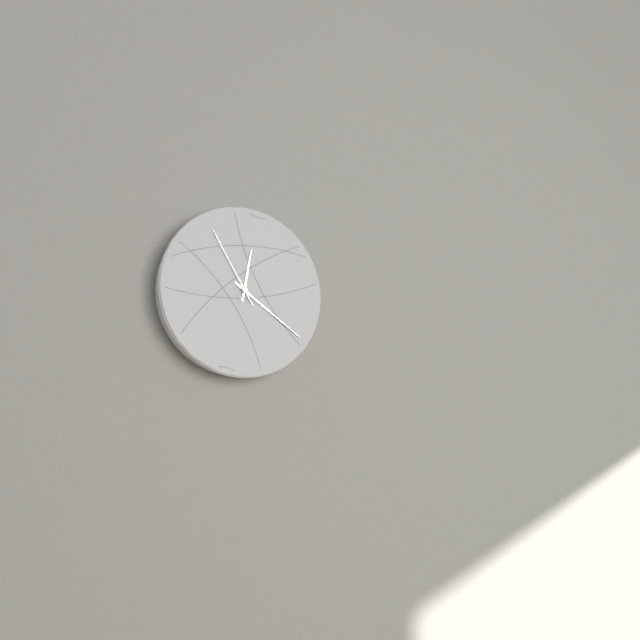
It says 12:21:55
